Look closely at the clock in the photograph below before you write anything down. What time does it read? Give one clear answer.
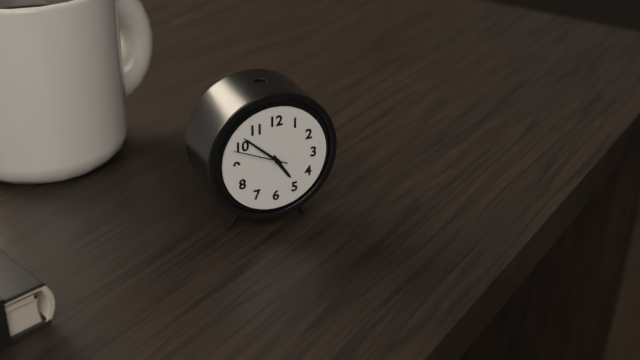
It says 4:52:49
